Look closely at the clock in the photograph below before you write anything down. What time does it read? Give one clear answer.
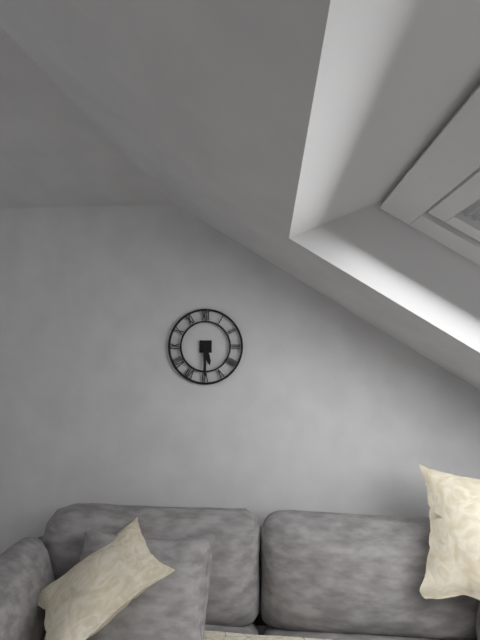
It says 5:30
